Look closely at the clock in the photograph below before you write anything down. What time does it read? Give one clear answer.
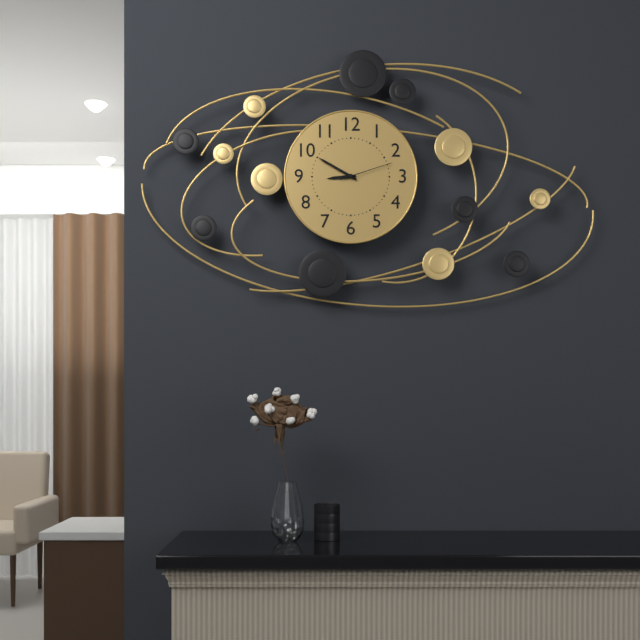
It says 8:50:12
